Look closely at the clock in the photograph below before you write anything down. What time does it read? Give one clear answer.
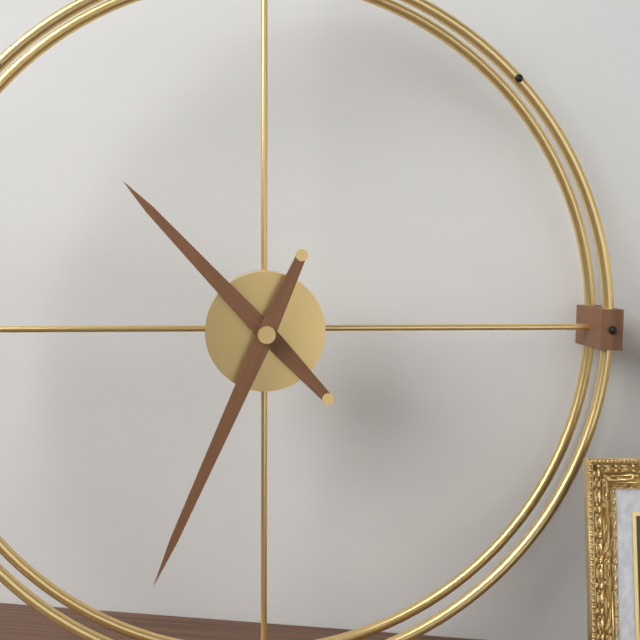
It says 10:34
